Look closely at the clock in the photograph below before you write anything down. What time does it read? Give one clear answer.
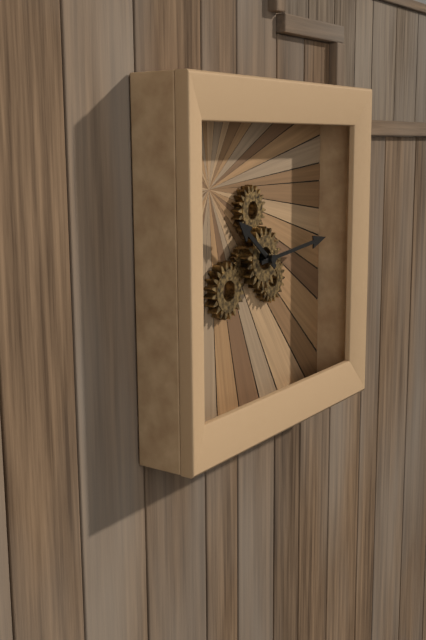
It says 10:14
